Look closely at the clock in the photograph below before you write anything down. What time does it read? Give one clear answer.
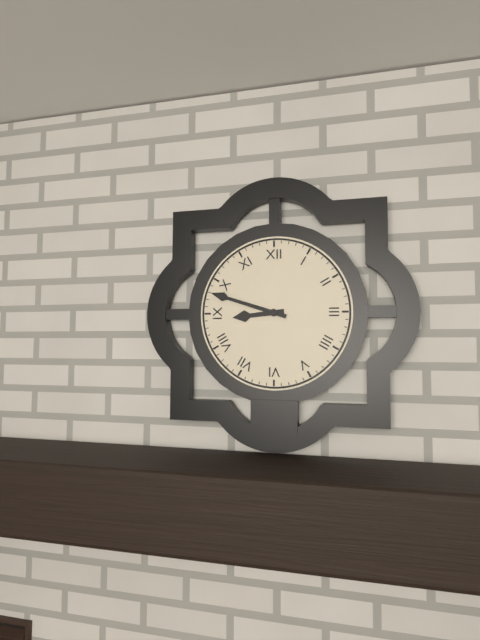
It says 8:48
